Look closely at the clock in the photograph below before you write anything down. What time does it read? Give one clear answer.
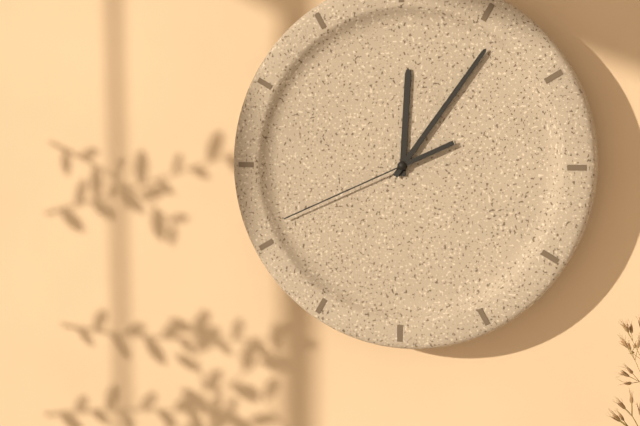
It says 12:06:41
